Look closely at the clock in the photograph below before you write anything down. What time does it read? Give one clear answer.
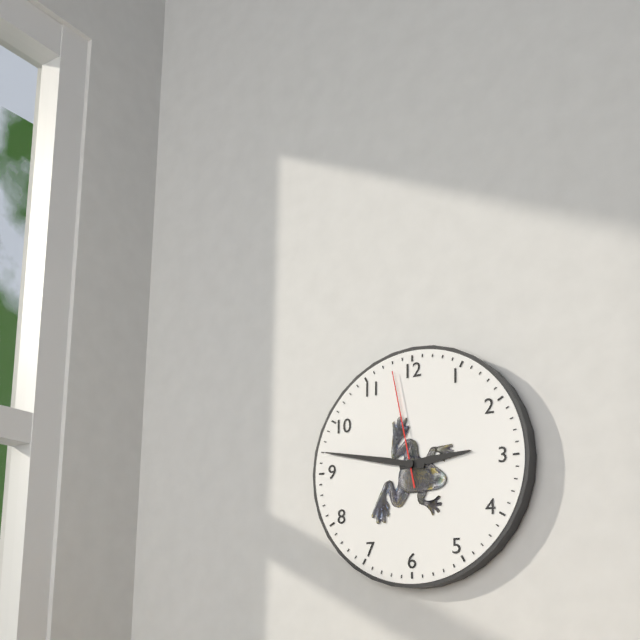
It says 2:47:58
